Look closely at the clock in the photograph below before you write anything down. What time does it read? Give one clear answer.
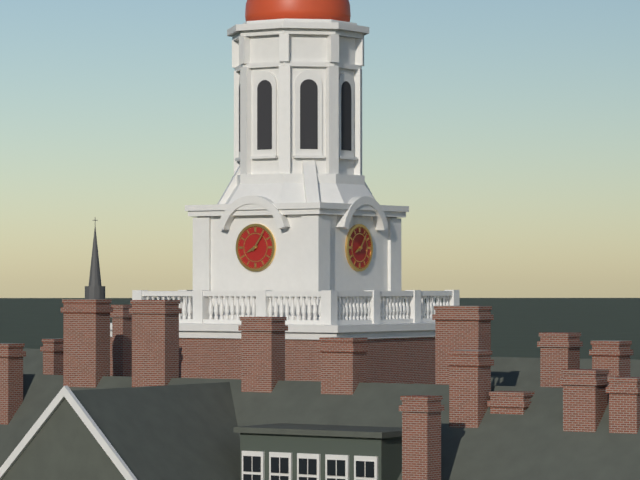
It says 8:06
